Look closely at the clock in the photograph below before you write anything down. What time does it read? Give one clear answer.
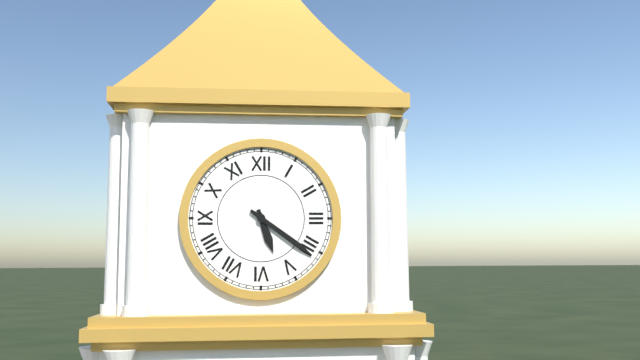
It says 5:21
